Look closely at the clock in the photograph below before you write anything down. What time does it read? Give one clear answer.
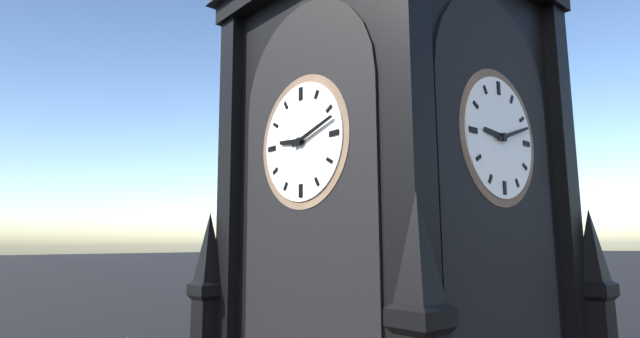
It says 9:12
